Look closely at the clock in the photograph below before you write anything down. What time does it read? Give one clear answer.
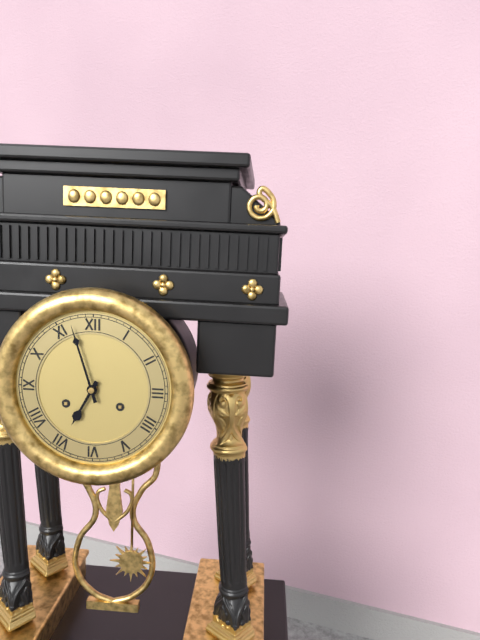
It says 6:57
